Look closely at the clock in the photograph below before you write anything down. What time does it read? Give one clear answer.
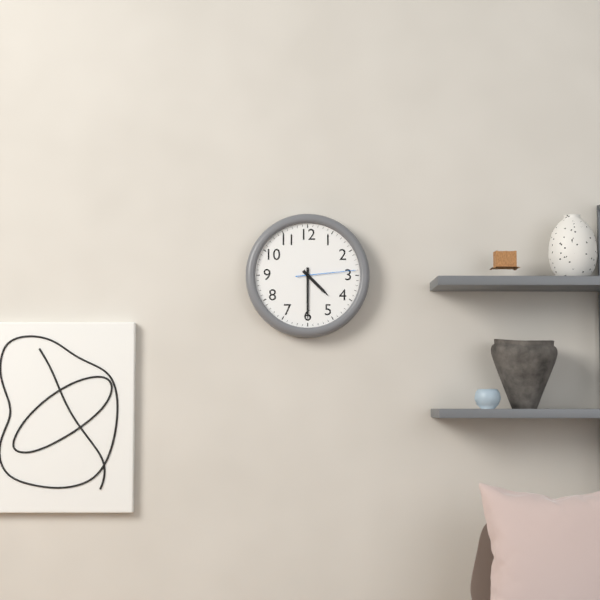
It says 4:30:14
